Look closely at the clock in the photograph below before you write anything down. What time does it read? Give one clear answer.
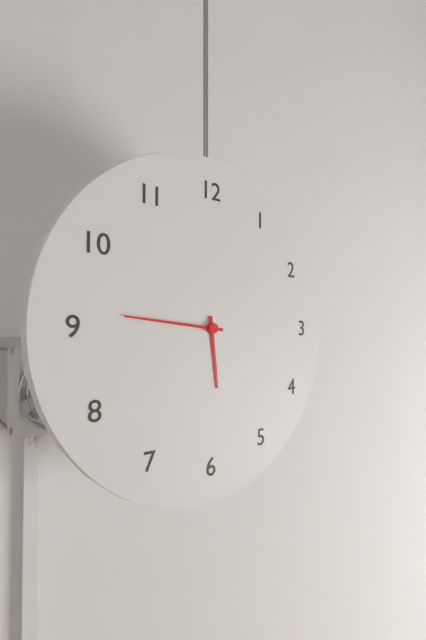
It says 5:46
